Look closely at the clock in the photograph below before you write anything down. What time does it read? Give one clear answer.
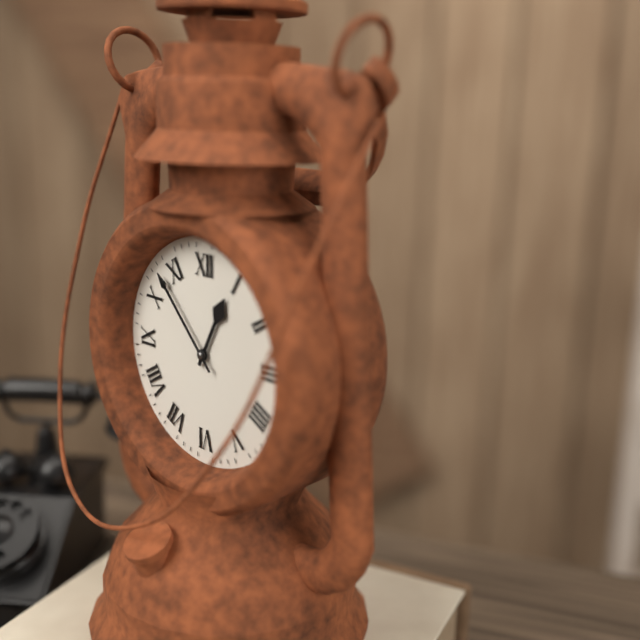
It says 12:53
